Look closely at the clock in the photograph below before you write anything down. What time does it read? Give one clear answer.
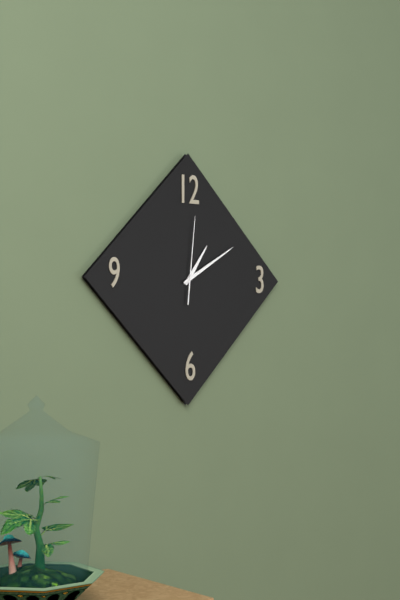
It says 1:10:01
